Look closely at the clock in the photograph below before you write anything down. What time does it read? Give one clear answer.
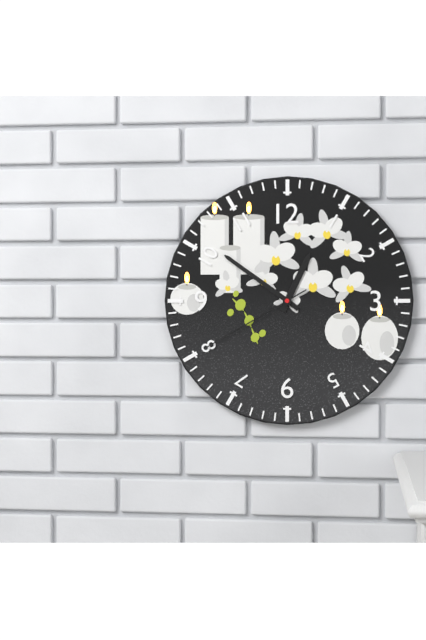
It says 12:51:40
